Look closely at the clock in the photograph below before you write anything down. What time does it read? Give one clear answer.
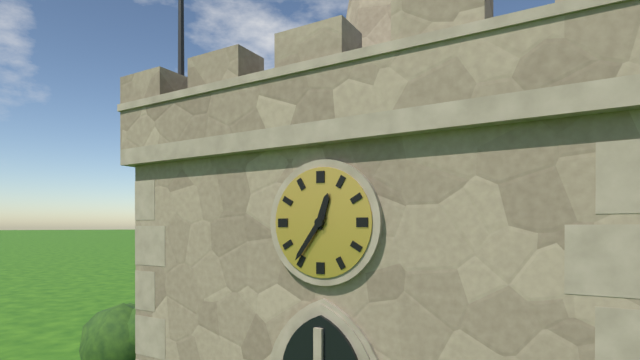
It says 12:36
